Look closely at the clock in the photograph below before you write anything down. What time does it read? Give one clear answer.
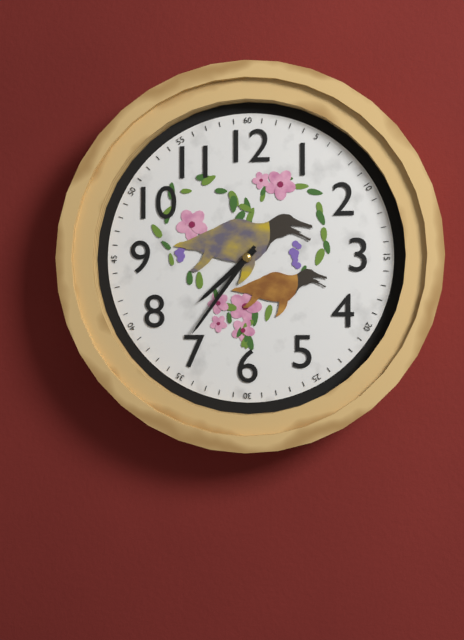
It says 7:36
